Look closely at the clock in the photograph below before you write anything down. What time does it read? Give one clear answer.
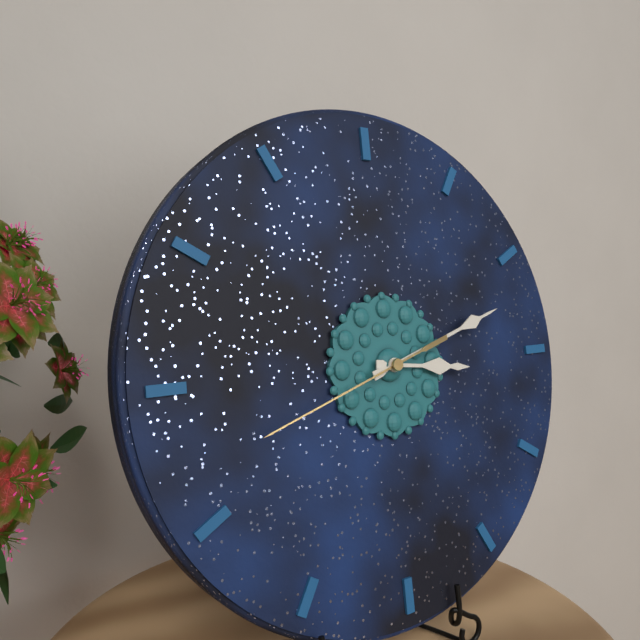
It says 3:12:42
